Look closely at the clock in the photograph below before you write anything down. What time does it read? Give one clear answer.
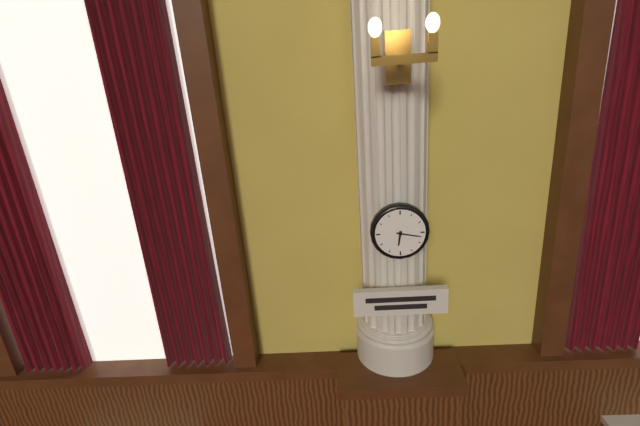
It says 6:17
